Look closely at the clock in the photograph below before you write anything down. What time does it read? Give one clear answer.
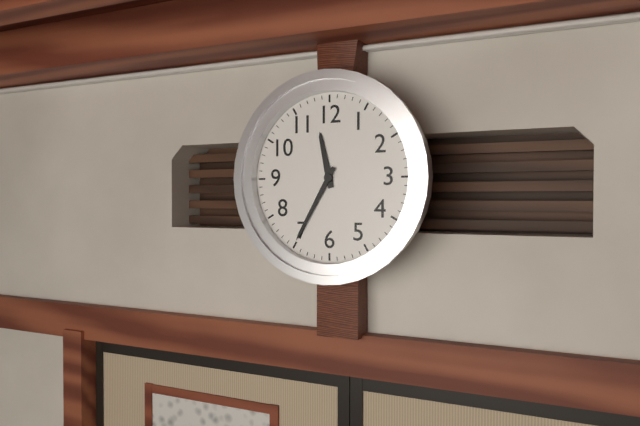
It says 11:35
